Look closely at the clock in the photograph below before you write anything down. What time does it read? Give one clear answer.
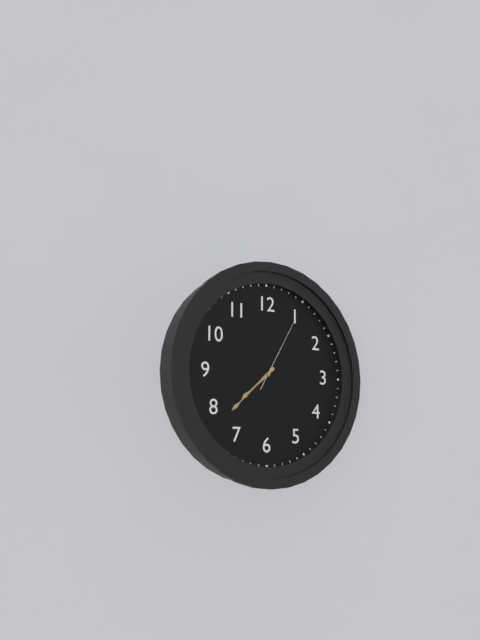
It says 7:38:05
